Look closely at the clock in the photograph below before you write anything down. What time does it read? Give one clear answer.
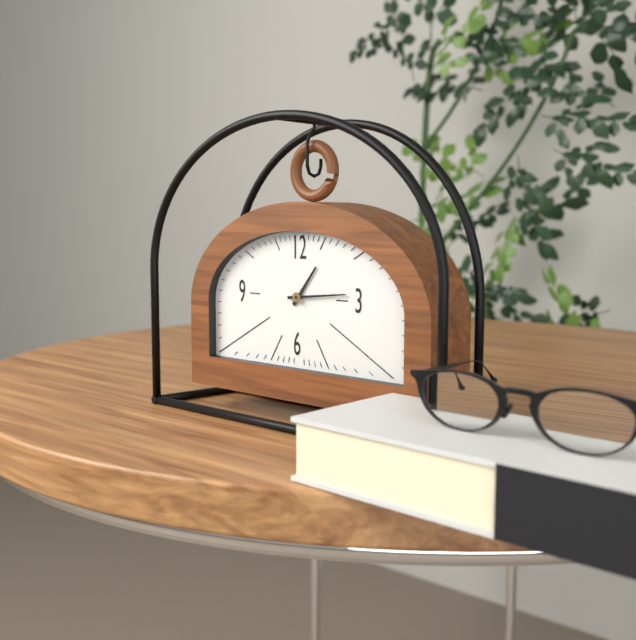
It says 1:14
